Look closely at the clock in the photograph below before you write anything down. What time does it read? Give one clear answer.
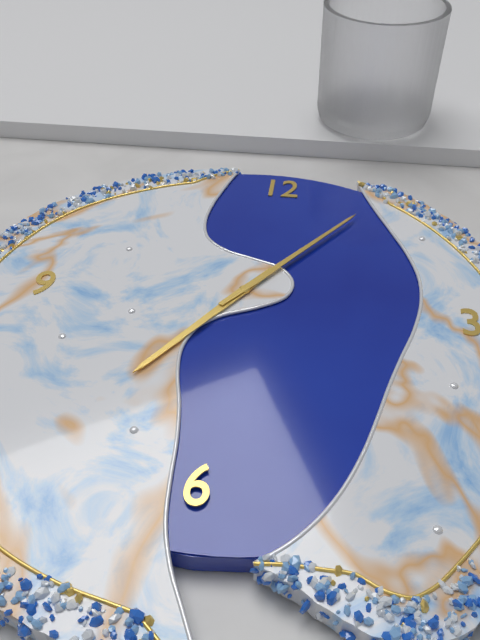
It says 7:06
